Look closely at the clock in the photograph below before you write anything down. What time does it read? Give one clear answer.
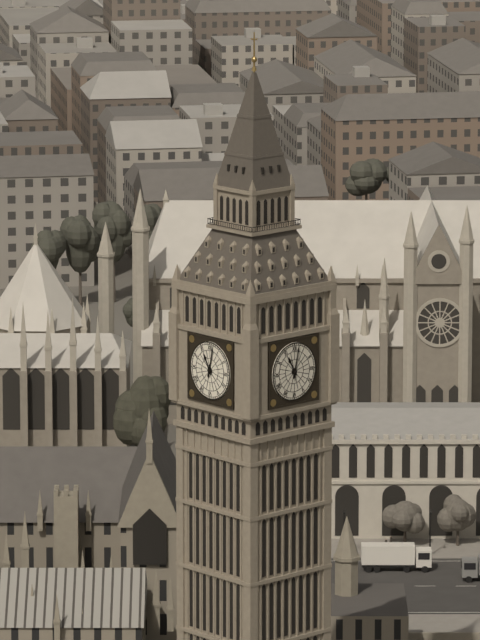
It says 11:02
